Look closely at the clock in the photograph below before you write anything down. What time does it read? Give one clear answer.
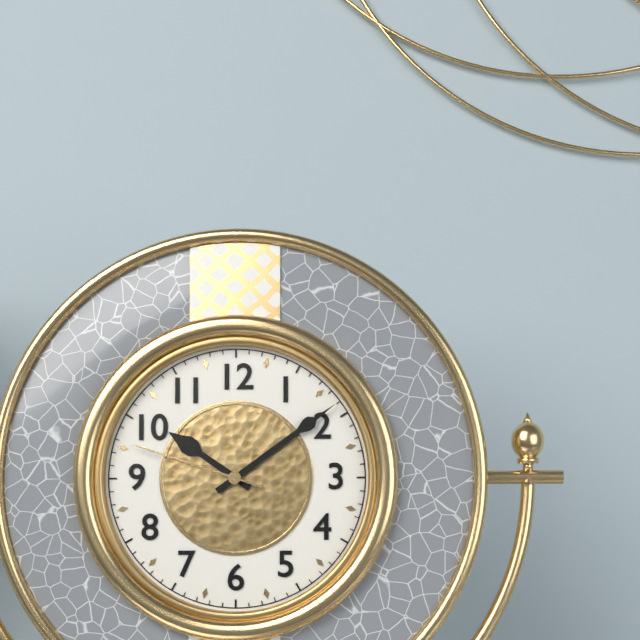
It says 10:09:48
